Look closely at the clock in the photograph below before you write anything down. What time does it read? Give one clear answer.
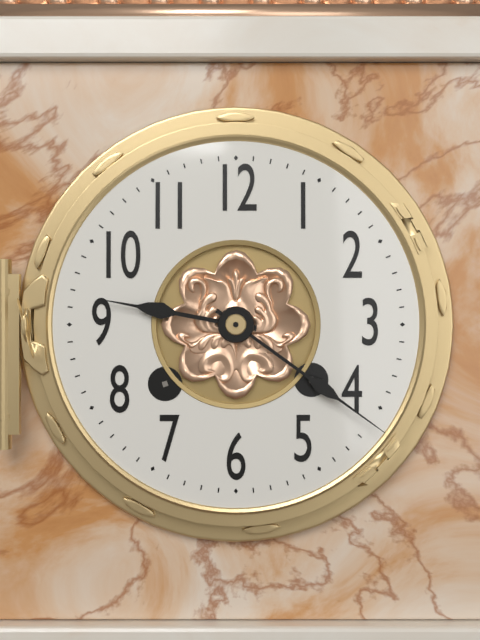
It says 9:21
